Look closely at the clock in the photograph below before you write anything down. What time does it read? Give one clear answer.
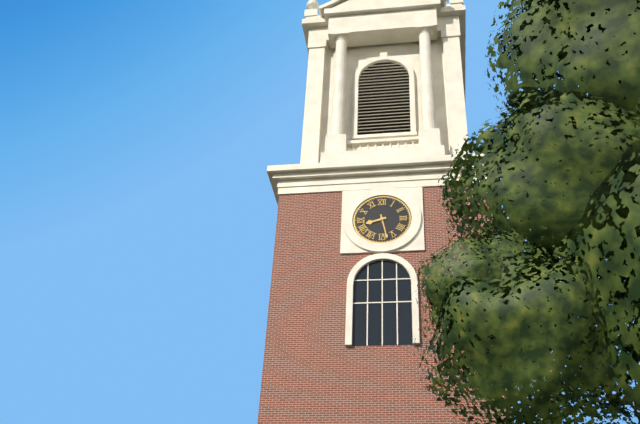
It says 8:28
